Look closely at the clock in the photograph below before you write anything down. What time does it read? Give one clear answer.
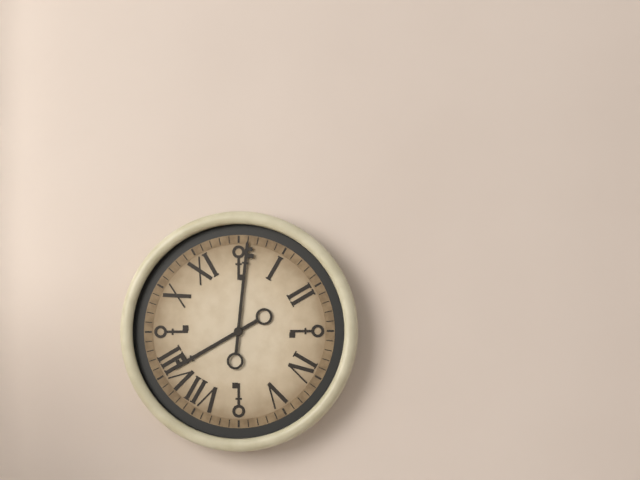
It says 8:01
